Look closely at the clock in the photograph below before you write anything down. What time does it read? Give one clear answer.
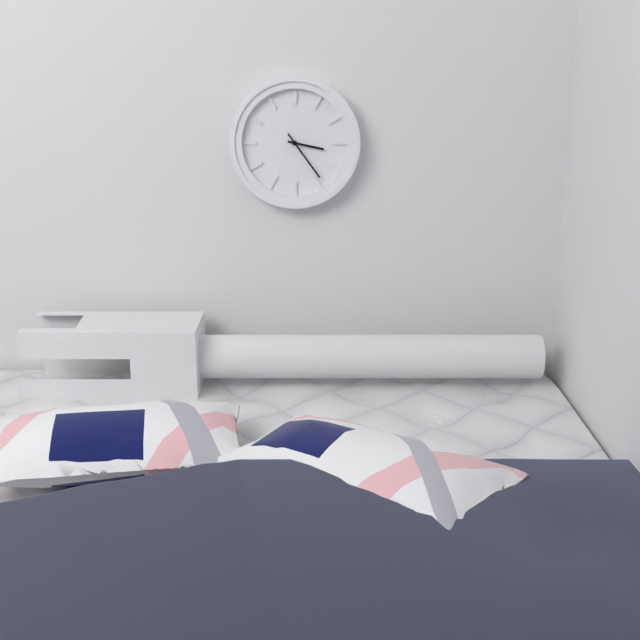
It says 3:24
